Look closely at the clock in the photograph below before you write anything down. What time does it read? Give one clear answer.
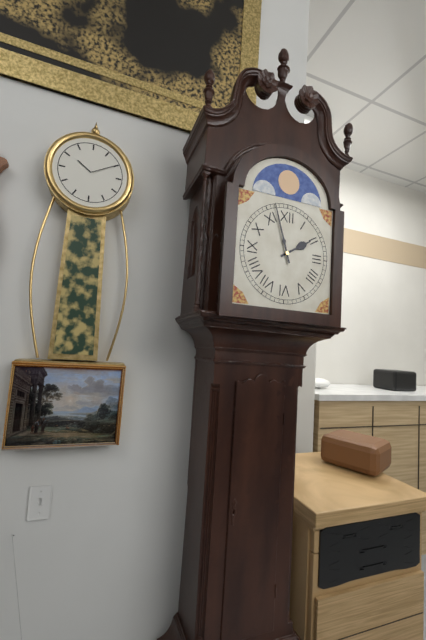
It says 1:57
